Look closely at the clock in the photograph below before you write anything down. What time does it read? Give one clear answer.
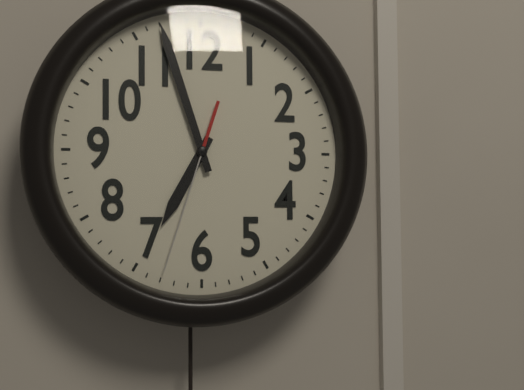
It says 6:57:33
